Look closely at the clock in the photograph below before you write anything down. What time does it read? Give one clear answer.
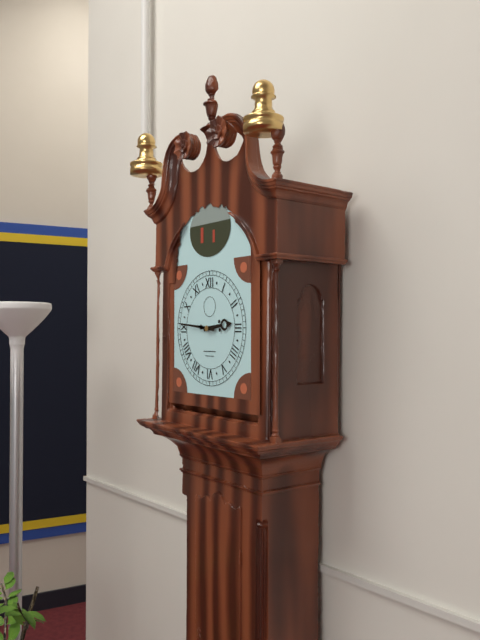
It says 2:46
